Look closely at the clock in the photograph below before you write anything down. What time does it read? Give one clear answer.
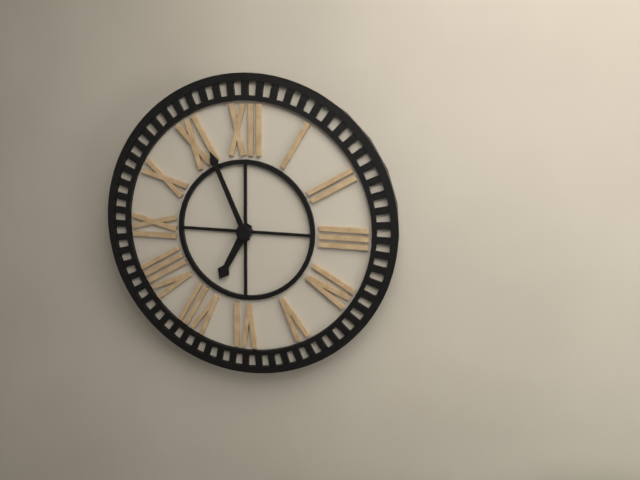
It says 6:56
